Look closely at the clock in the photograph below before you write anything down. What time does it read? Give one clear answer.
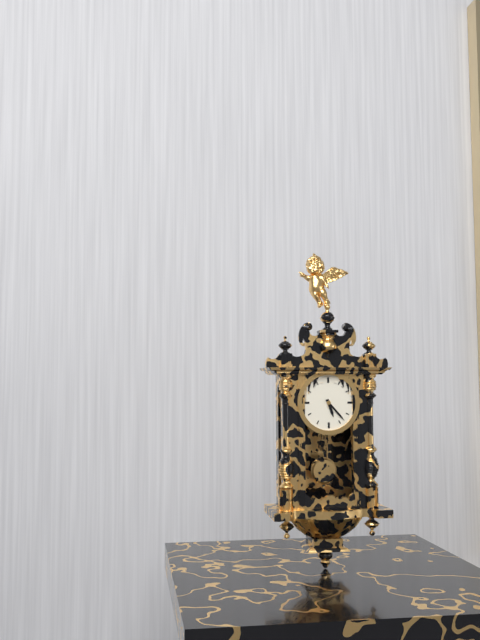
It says 5:23
